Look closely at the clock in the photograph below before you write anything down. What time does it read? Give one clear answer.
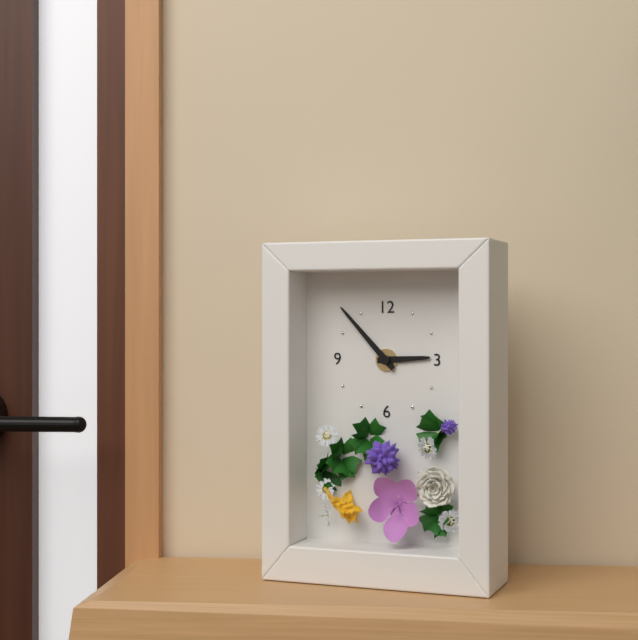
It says 2:53
